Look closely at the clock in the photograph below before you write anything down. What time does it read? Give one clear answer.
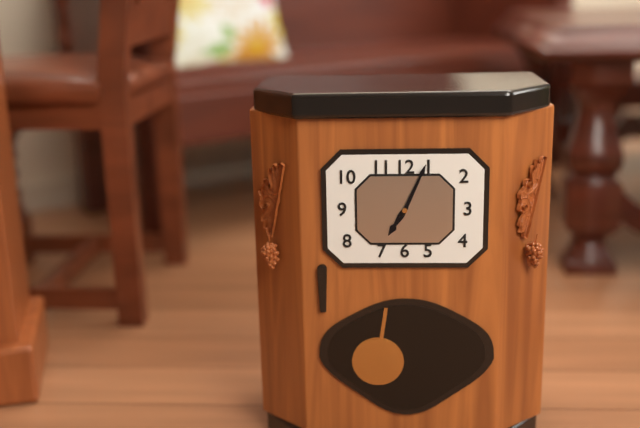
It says 7:04
